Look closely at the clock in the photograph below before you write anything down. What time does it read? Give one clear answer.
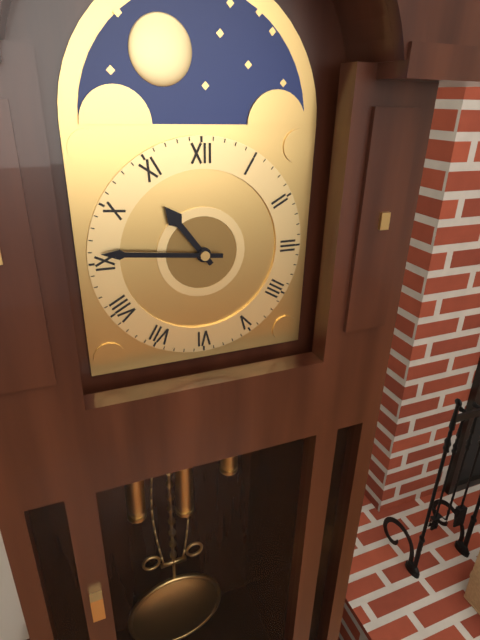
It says 10:46
